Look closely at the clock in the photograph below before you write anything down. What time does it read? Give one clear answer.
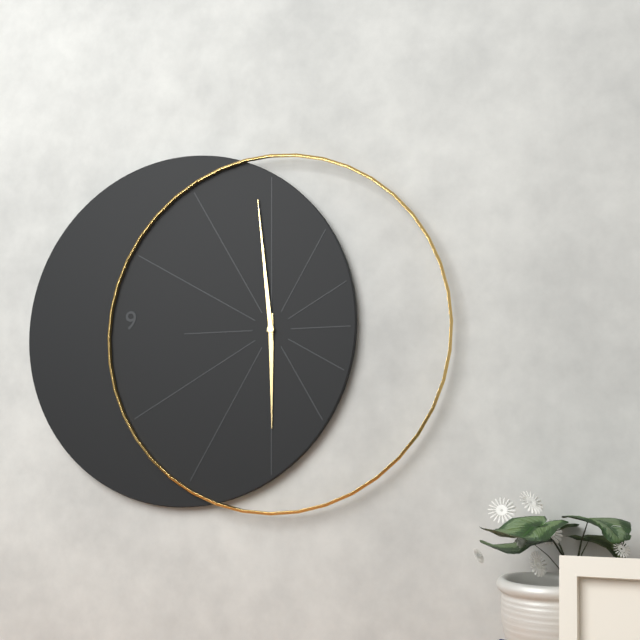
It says 5:59
